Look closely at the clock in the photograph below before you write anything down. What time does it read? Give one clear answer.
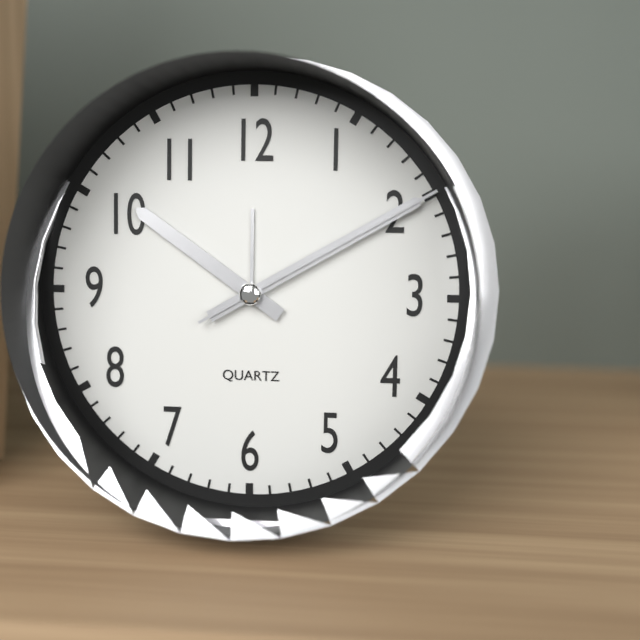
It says 10:10:10
